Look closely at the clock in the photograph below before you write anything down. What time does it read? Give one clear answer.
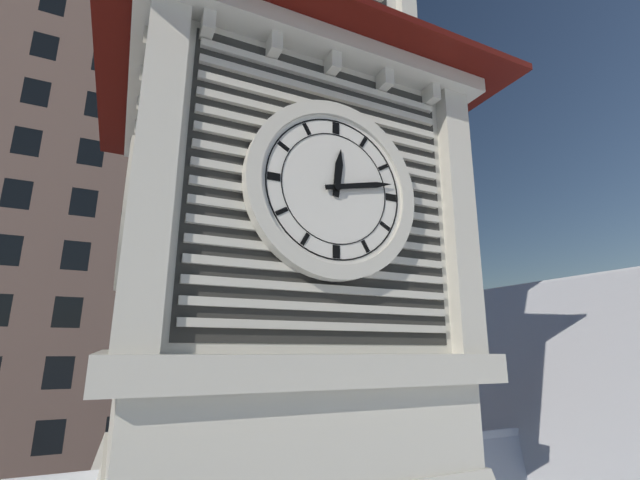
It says 12:13
